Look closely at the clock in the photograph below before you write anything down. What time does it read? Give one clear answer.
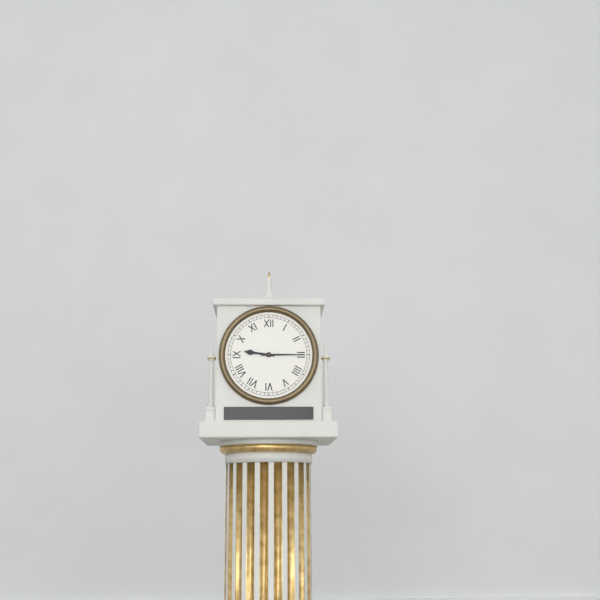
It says 9:15
